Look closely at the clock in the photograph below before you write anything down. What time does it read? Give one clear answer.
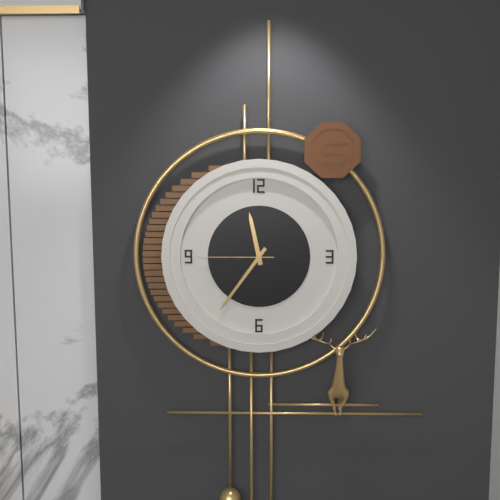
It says 11:36:45
